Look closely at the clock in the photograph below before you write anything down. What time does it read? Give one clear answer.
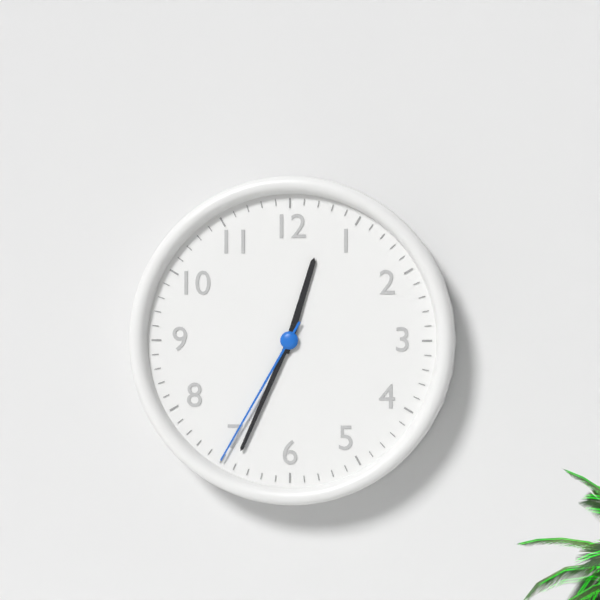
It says 12:34:35
